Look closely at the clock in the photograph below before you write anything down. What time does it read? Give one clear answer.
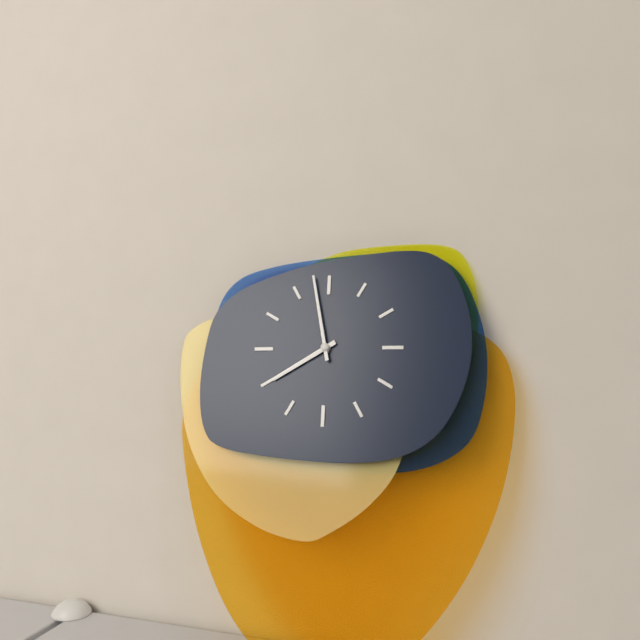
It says 7:58
